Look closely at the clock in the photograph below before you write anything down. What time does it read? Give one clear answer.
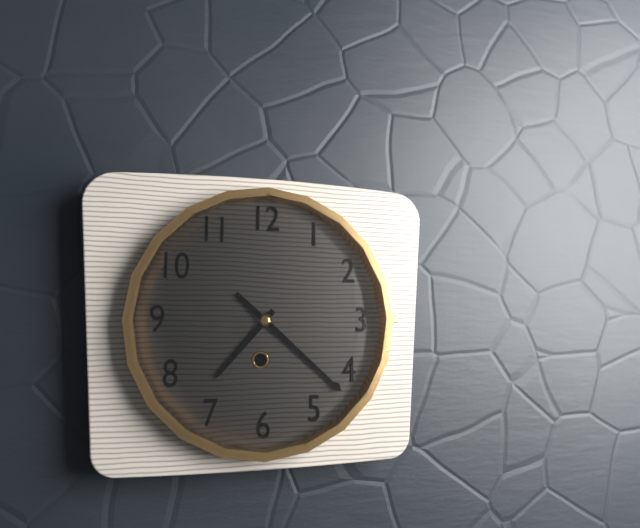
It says 7:22
